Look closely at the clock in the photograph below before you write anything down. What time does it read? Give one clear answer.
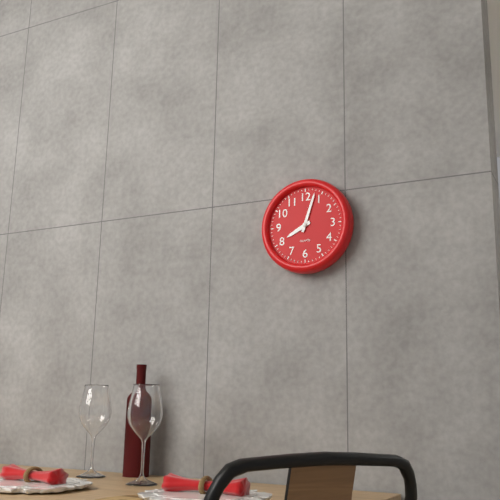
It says 8:03
